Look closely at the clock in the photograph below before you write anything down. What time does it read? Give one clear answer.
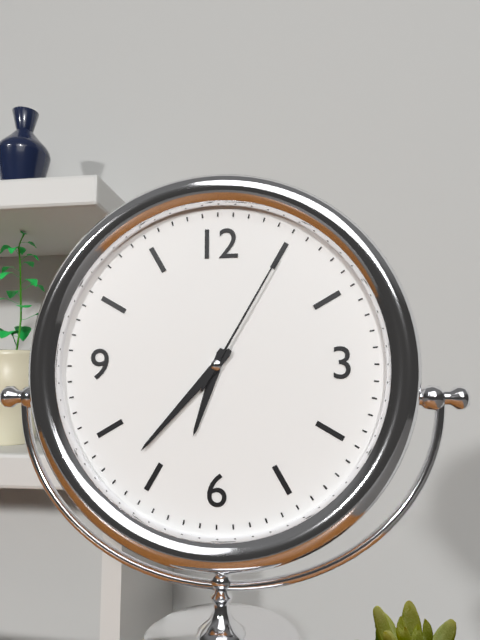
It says 6:37:05
